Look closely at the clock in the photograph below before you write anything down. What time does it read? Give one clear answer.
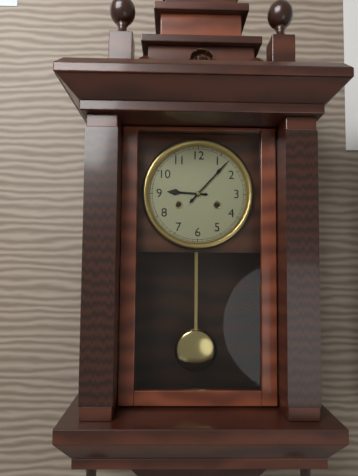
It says 9:07
